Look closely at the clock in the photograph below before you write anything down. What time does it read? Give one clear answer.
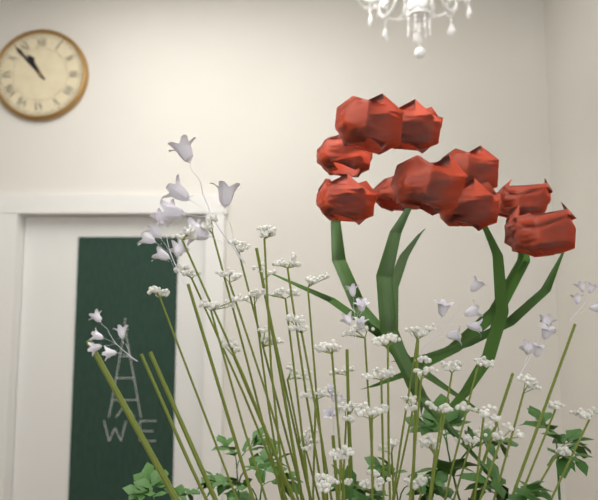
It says 10:53
